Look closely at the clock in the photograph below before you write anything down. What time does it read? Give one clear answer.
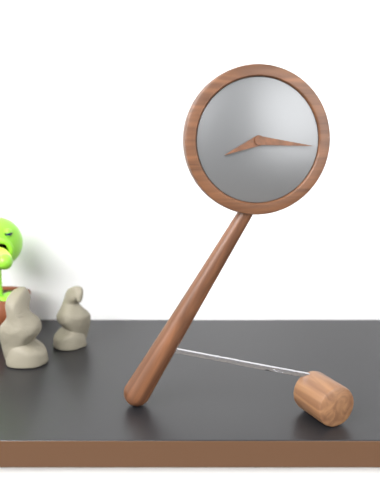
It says 8:16
